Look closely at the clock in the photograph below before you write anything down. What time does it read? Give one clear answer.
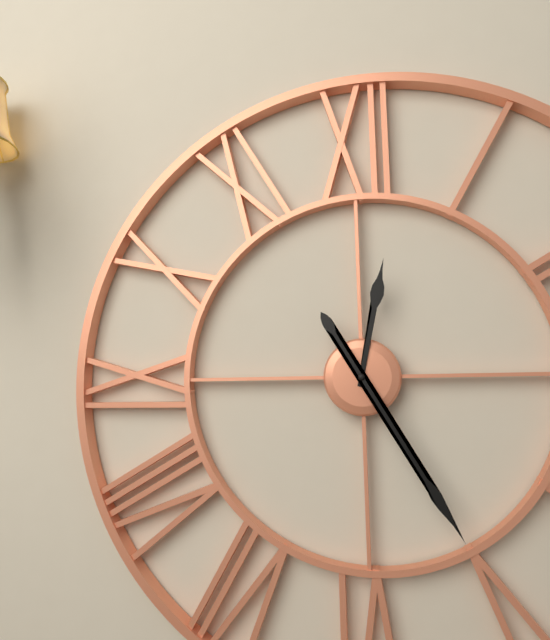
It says 12:25
